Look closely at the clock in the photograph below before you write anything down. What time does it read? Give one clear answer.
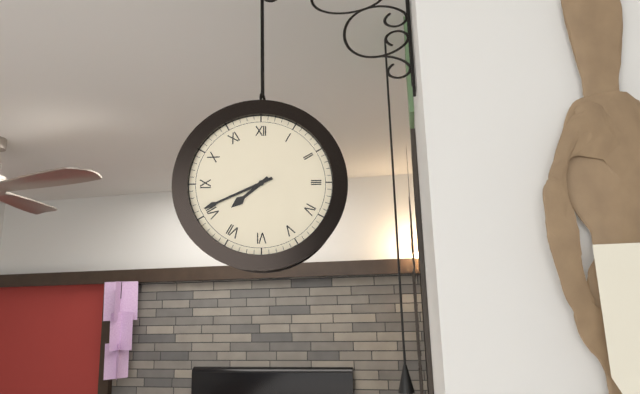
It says 7:41
